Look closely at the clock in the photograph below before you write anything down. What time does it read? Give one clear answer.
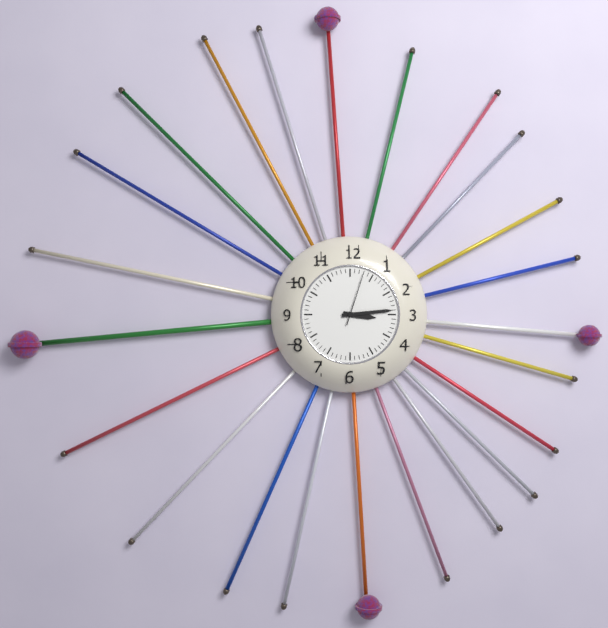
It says 3:14:03
